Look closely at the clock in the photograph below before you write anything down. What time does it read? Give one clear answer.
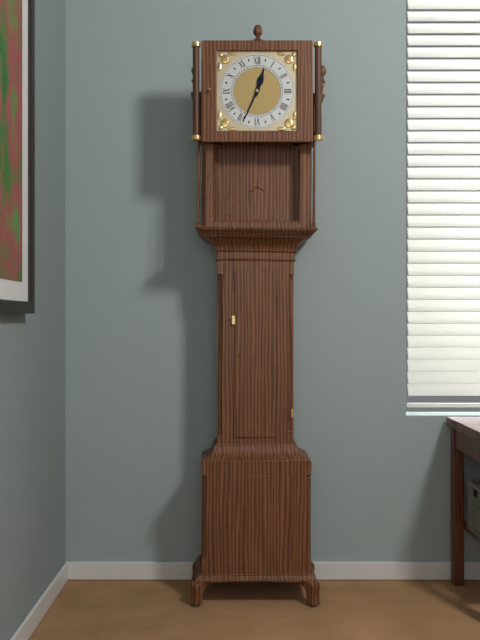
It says 12:34
